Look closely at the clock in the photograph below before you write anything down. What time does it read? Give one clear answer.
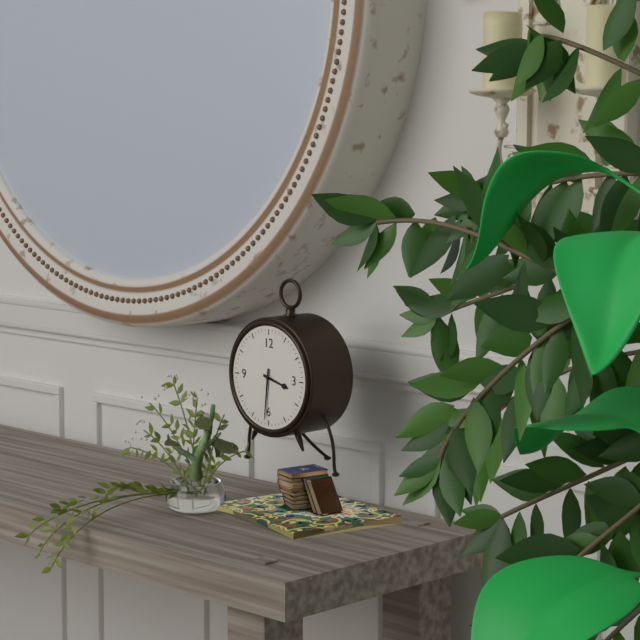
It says 3:31
